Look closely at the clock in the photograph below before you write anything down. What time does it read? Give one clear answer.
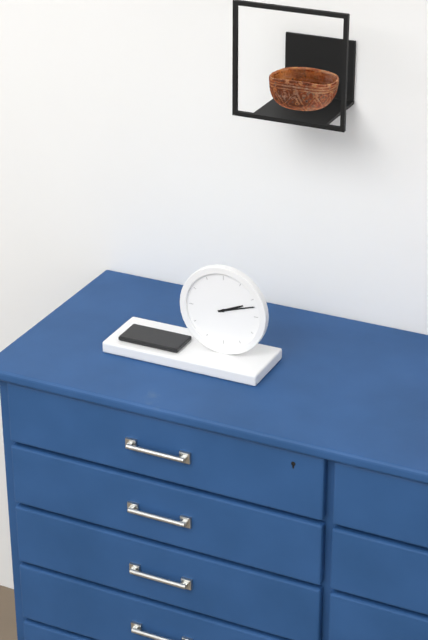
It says 2:12
